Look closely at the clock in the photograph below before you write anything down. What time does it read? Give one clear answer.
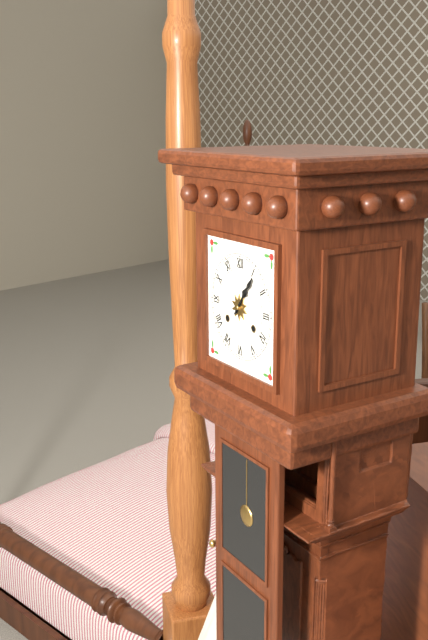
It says 1:06
